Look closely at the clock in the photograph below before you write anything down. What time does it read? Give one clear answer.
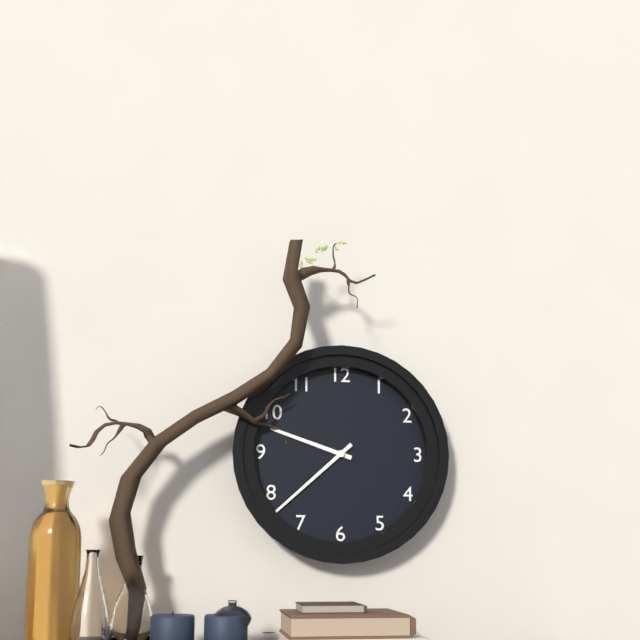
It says 9:38
